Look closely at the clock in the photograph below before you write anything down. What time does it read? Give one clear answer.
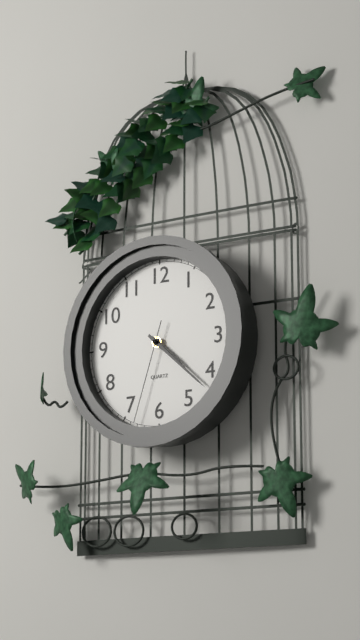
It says 4:22:33
